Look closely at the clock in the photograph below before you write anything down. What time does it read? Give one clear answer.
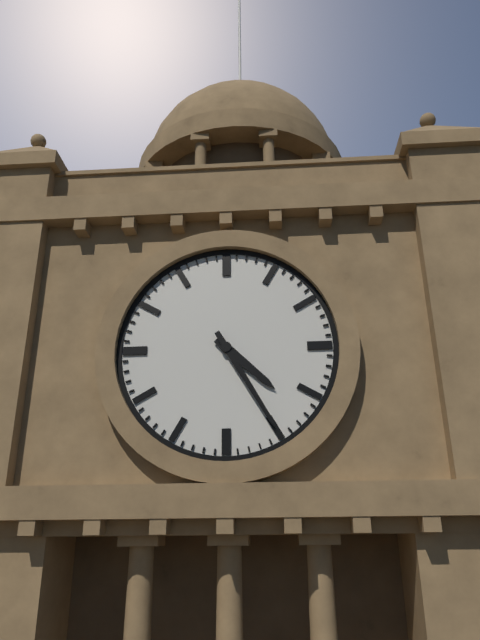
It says 4:25
